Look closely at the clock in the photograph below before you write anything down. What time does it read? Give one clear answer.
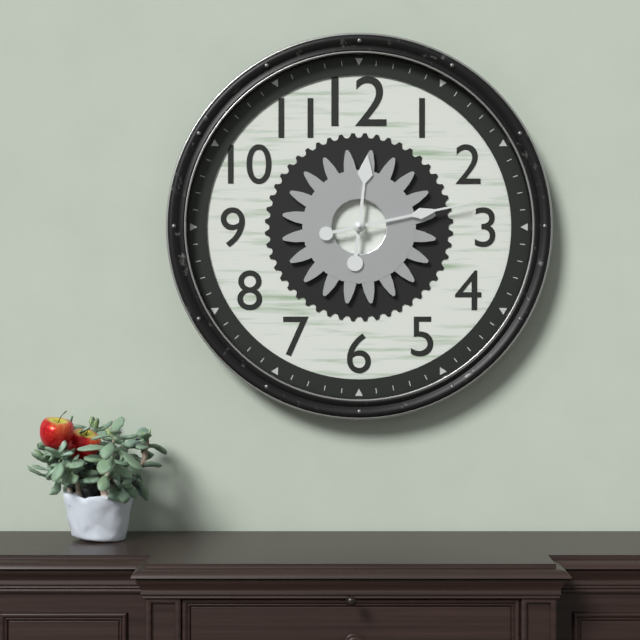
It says 12:13
